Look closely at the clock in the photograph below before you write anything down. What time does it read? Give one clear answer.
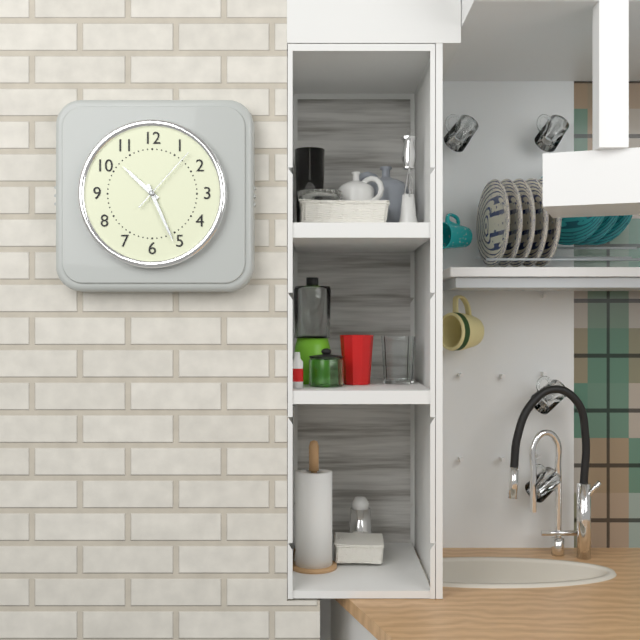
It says 10:26:07
